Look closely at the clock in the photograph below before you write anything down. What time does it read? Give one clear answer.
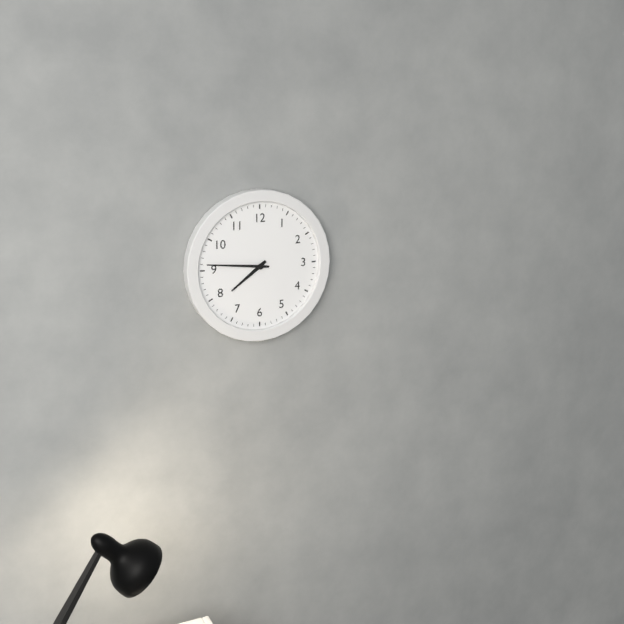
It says 7:46
